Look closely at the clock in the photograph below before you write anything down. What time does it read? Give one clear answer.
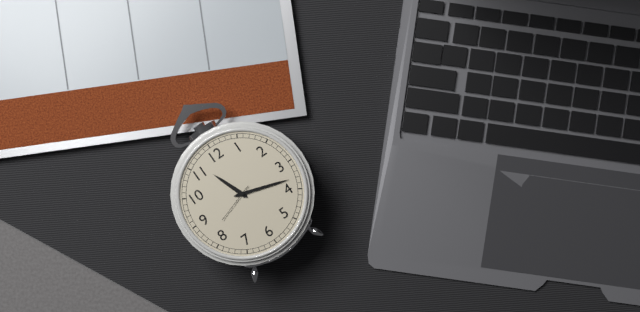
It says 11:18
